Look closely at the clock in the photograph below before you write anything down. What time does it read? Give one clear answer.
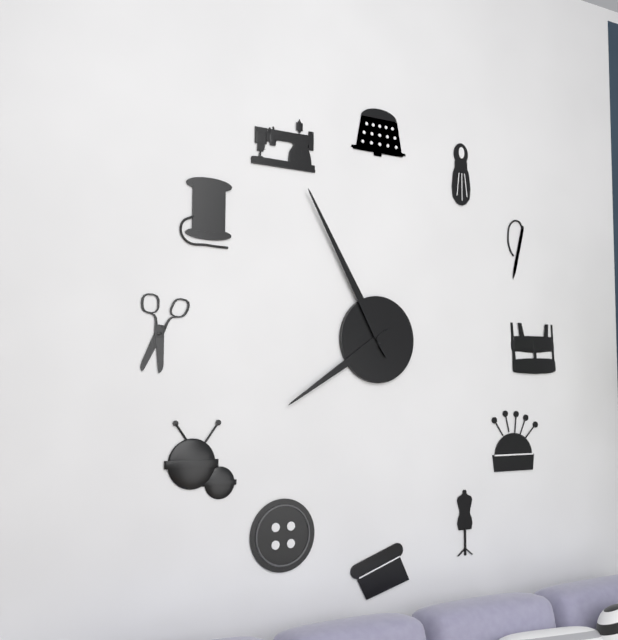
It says 7:55
